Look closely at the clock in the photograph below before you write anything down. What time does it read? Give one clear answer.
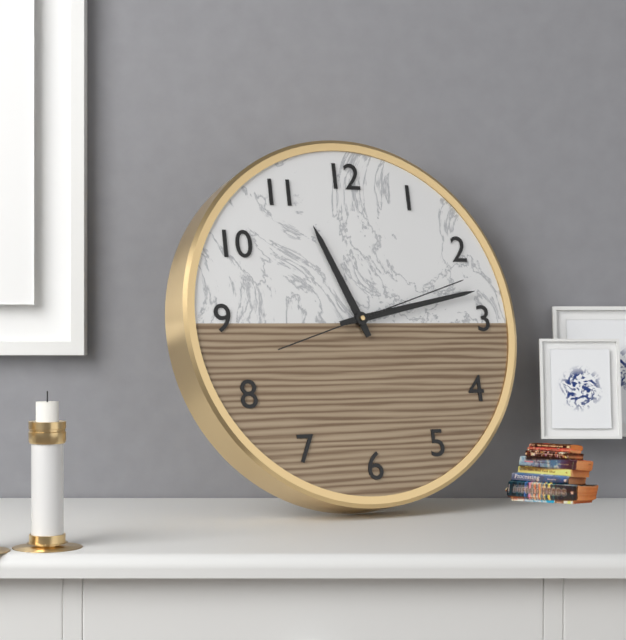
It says 11:13:12
